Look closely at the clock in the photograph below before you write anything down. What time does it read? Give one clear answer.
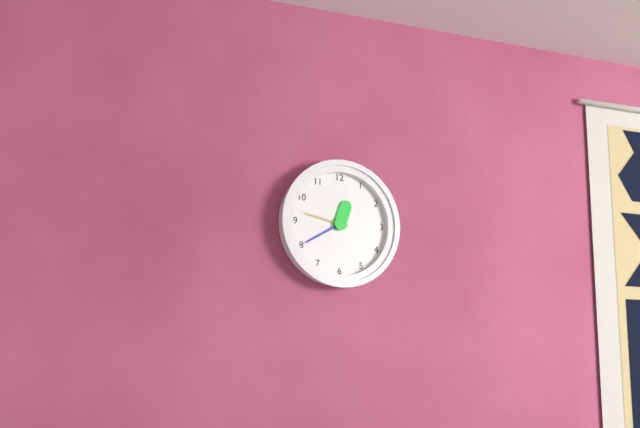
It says 12:40
